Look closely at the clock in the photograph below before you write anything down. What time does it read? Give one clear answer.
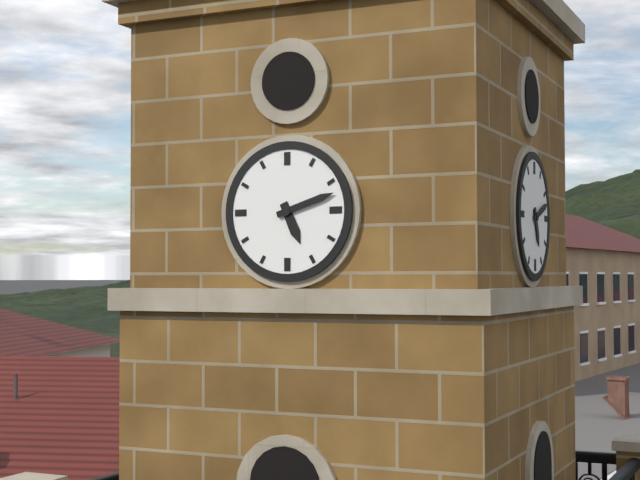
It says 5:12
